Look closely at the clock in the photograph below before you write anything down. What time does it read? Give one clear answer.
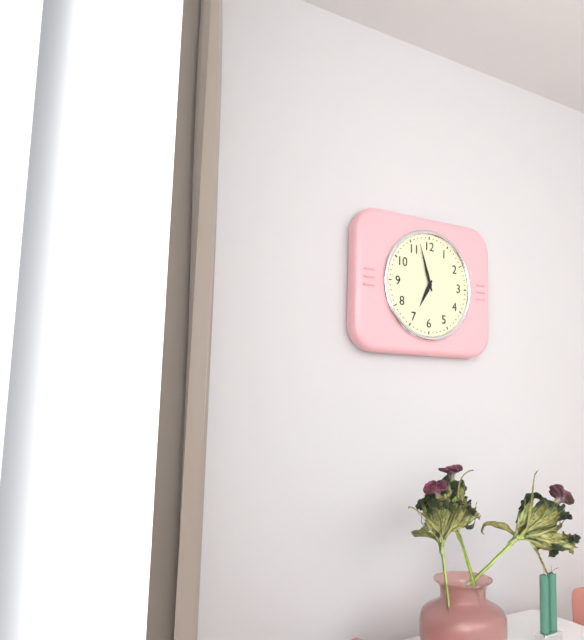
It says 6:57
